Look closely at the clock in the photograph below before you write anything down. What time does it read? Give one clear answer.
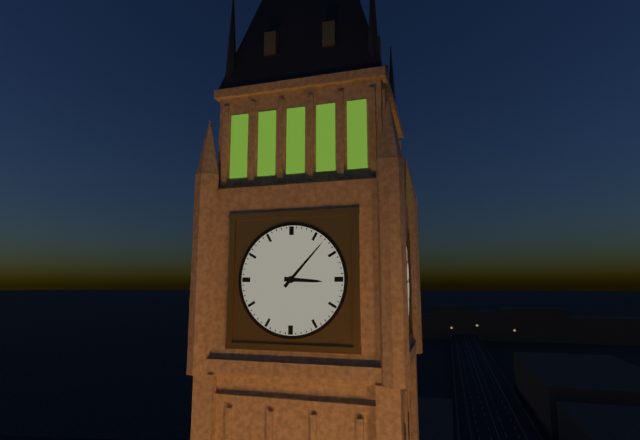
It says 3:07
